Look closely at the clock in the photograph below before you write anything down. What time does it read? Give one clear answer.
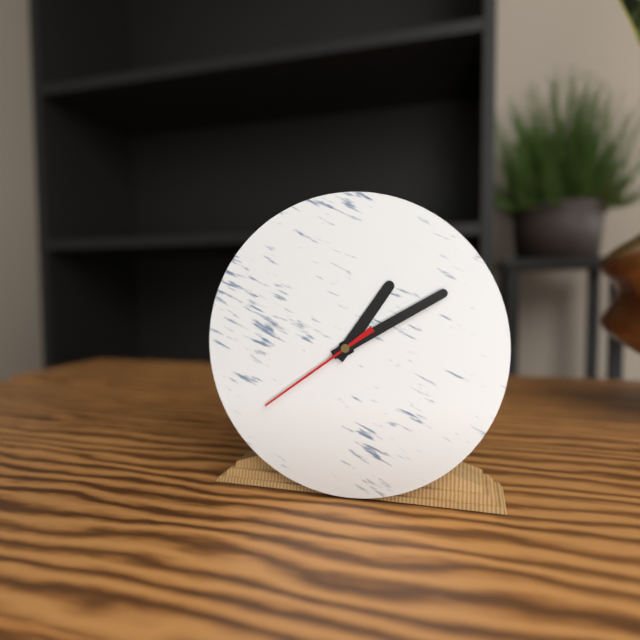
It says 1:10:39
